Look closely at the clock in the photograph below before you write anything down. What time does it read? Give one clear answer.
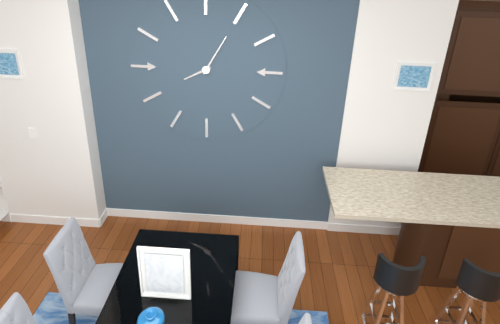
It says 8:05
